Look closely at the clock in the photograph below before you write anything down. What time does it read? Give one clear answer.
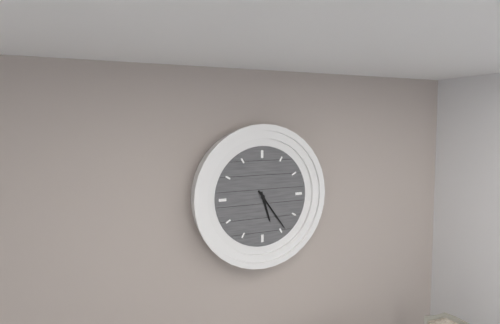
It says 5:24
